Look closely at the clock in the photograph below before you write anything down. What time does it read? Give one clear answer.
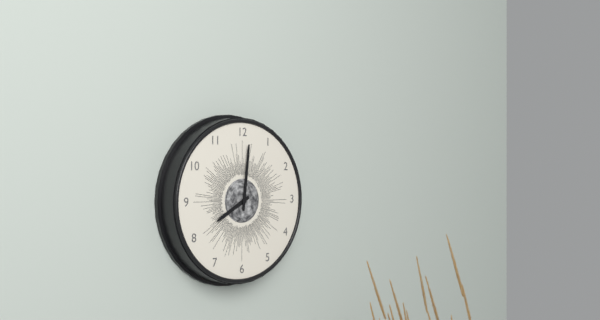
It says 8:01
